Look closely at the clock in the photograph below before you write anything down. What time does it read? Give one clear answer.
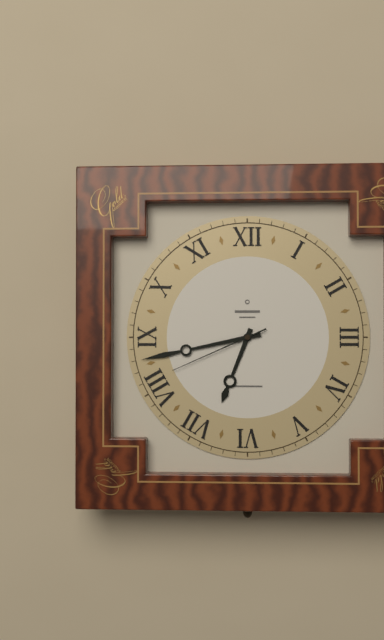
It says 6:43:41
